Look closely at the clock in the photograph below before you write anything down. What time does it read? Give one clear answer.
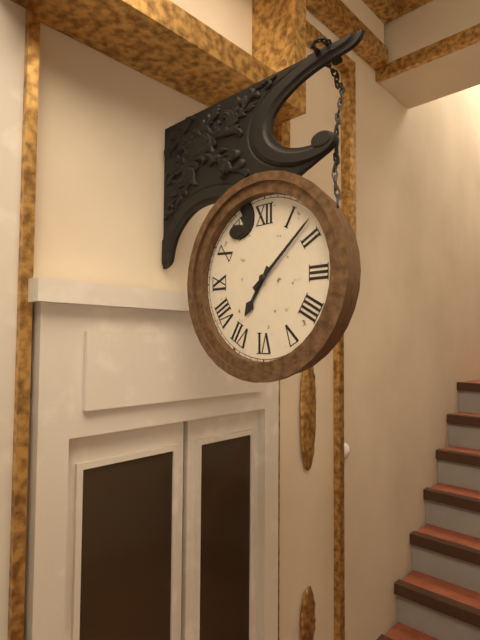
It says 7:08
